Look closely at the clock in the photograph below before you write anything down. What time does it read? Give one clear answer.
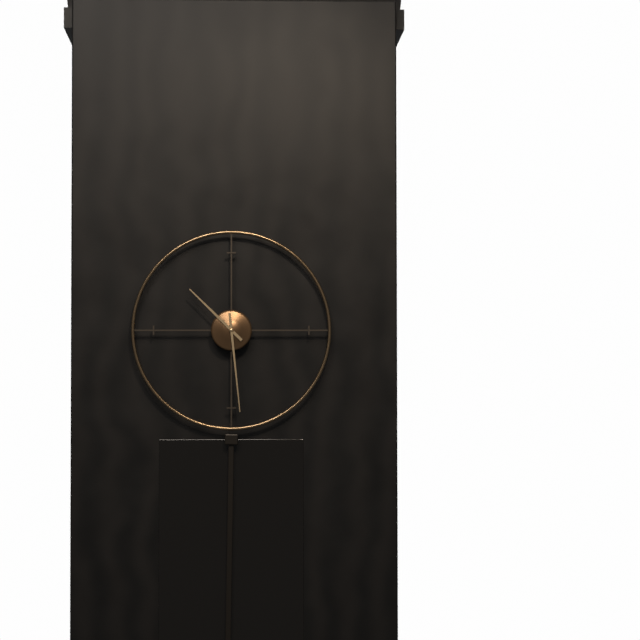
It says 10:29
